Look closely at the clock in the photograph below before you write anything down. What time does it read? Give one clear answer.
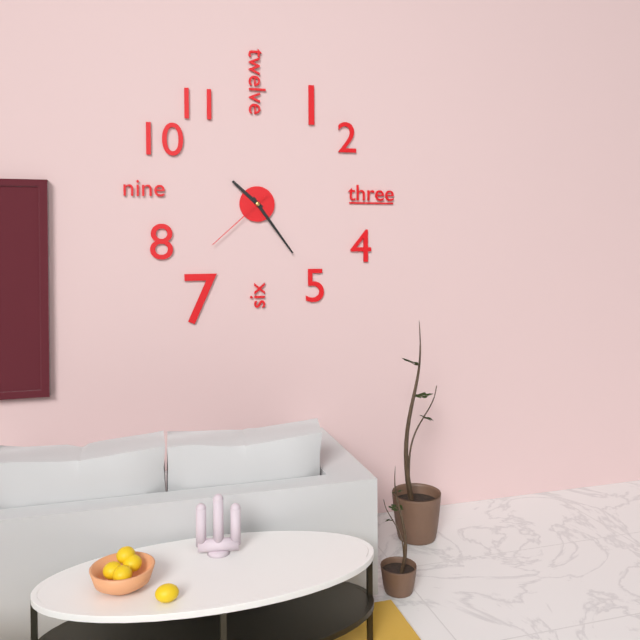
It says 10:24:38
